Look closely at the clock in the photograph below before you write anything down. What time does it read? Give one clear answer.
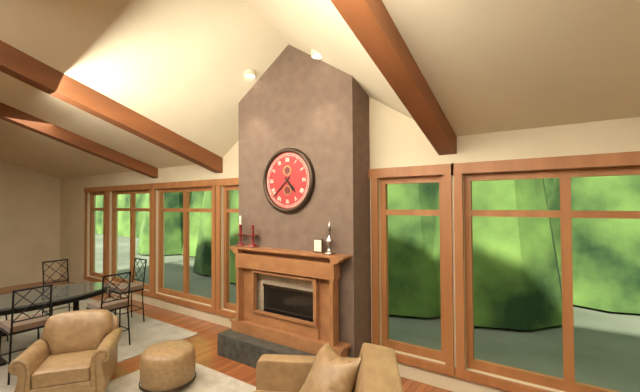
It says 4:38
